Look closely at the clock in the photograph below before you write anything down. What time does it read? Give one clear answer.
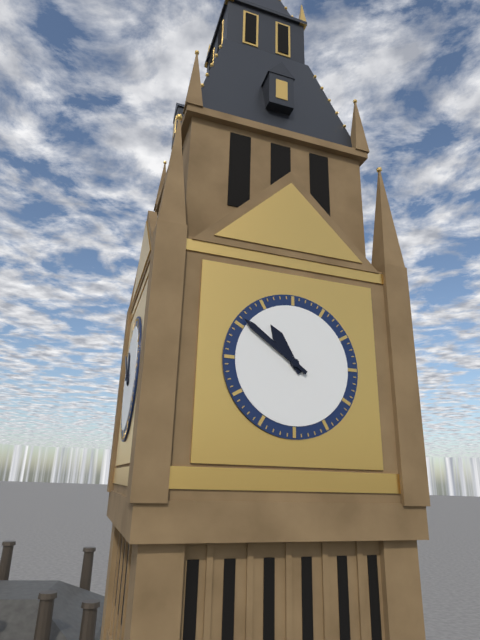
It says 10:51
